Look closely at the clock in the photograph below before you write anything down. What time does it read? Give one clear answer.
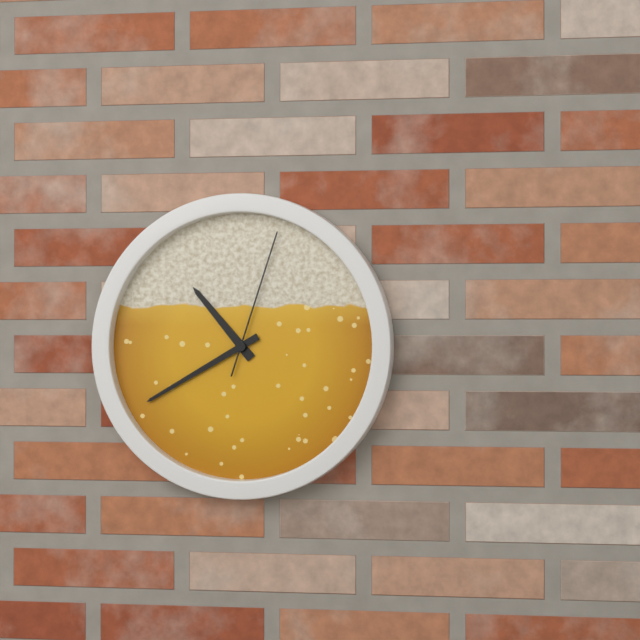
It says 10:40:03
